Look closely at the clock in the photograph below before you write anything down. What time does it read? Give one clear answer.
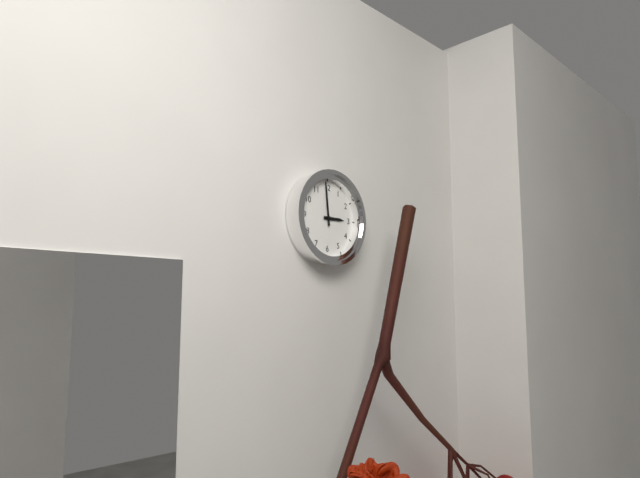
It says 2:59
